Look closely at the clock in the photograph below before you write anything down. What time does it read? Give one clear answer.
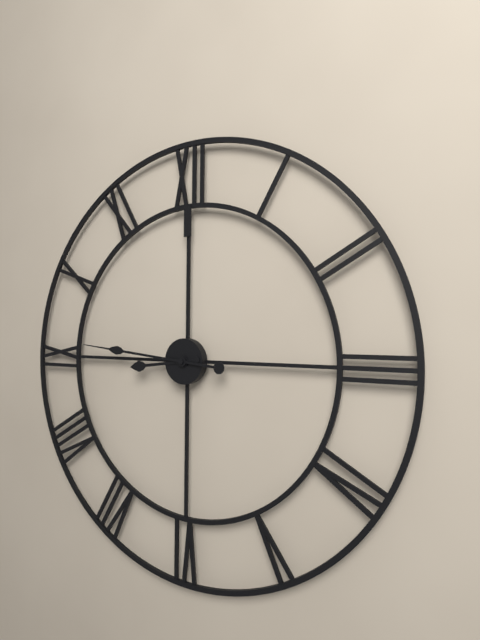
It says 8:46
